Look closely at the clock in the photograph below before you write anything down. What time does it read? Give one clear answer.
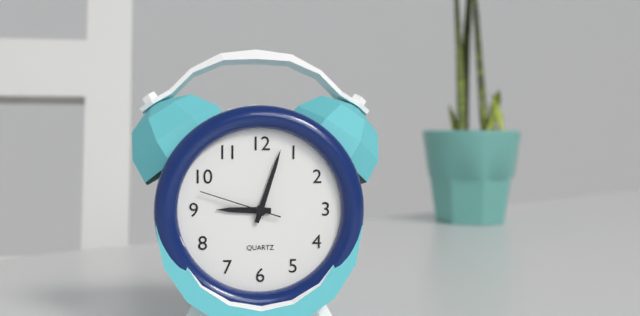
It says 9:03:48
